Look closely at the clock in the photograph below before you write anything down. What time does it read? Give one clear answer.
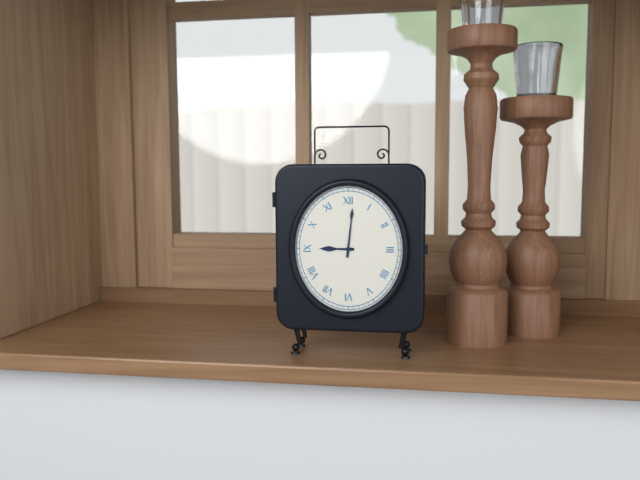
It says 9:01
